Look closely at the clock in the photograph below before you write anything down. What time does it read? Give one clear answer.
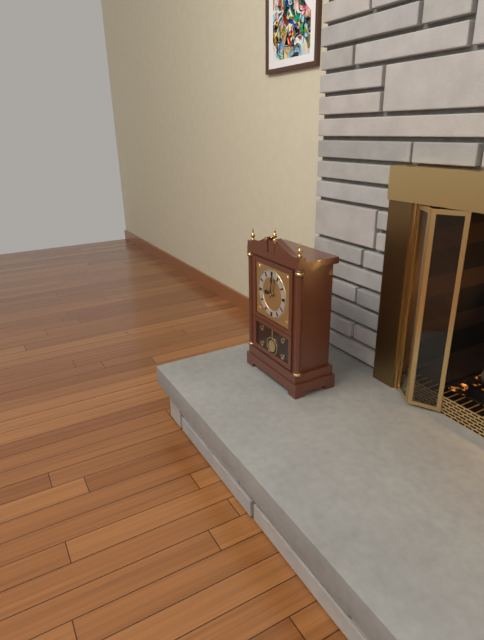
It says 9:01
